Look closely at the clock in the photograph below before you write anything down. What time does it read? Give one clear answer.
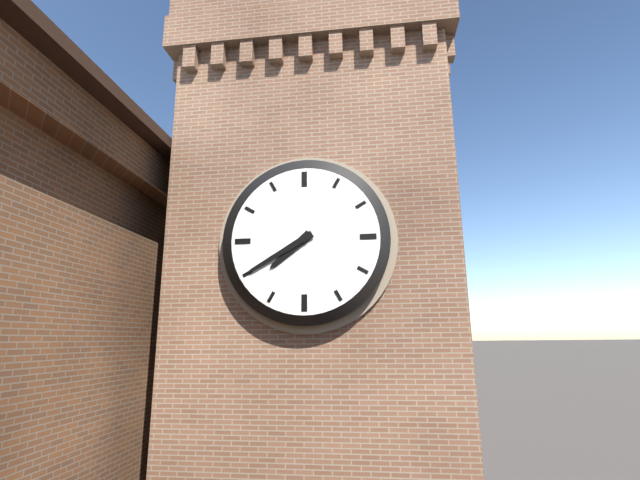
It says 7:40
